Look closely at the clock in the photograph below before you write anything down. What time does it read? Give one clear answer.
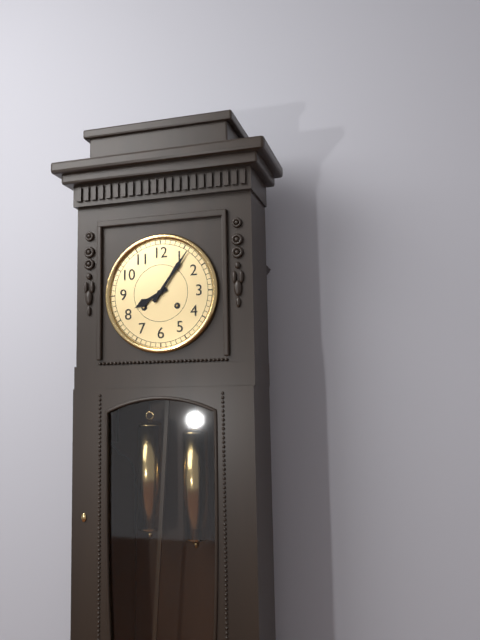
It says 8:06
